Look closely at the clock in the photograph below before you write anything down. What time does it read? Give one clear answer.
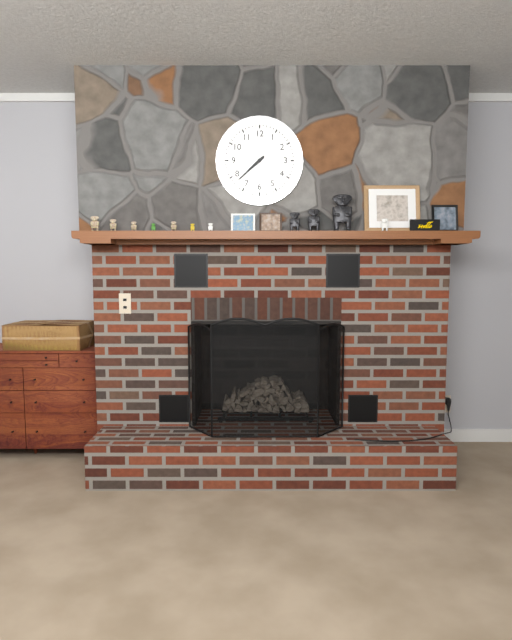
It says 7:38
